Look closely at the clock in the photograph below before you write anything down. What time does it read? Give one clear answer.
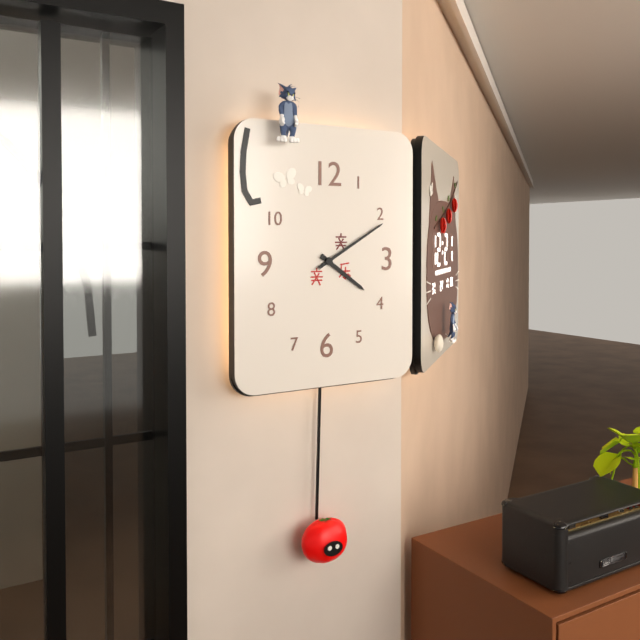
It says 4:10
